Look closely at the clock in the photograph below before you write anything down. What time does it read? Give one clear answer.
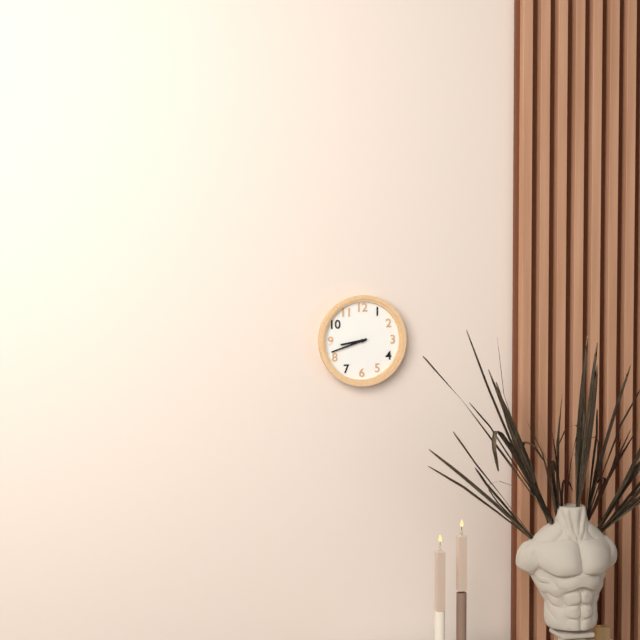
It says 8:42
